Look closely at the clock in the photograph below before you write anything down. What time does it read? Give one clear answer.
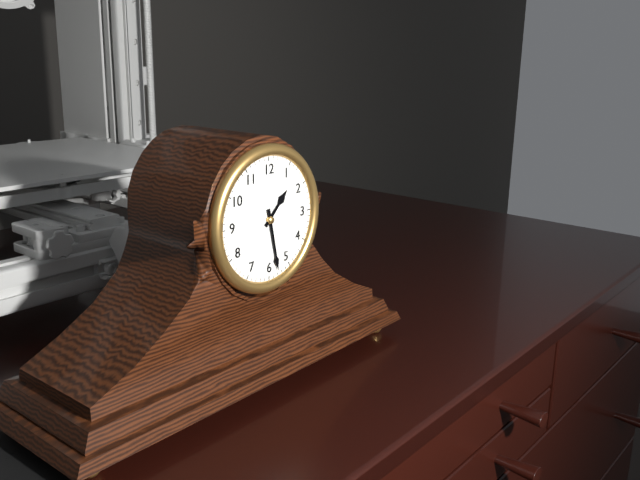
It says 1:28
